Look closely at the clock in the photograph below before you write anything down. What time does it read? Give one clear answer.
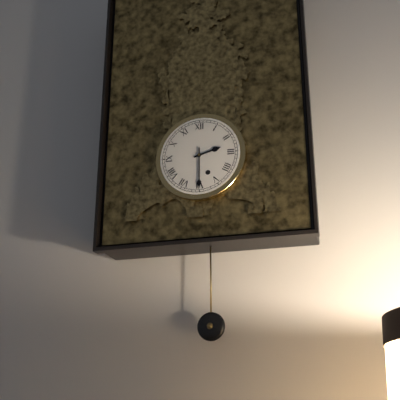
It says 2:30
